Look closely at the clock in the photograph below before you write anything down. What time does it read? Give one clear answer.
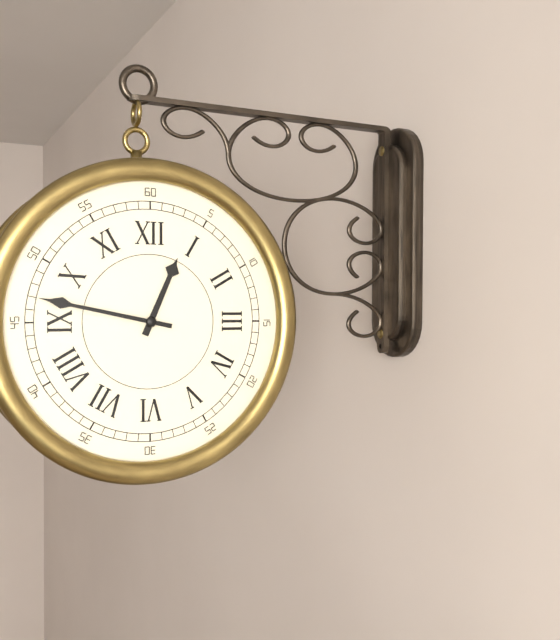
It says 12:47
